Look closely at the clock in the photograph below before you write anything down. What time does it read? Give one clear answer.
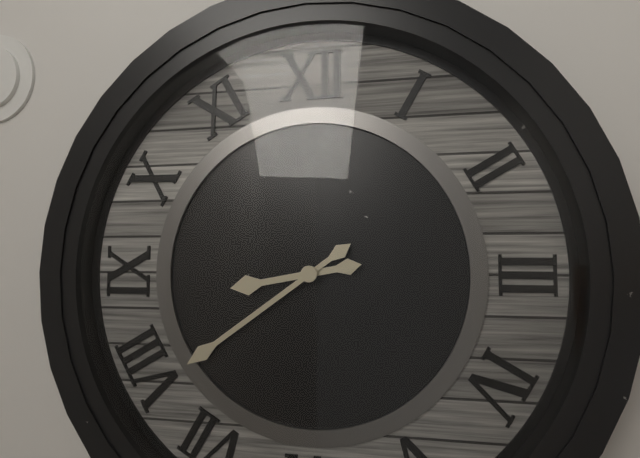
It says 8:39
